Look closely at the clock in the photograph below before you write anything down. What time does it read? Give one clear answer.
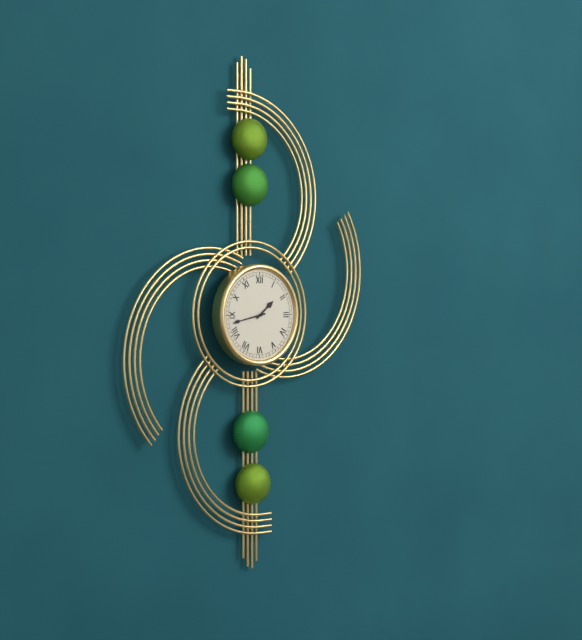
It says 1:43
